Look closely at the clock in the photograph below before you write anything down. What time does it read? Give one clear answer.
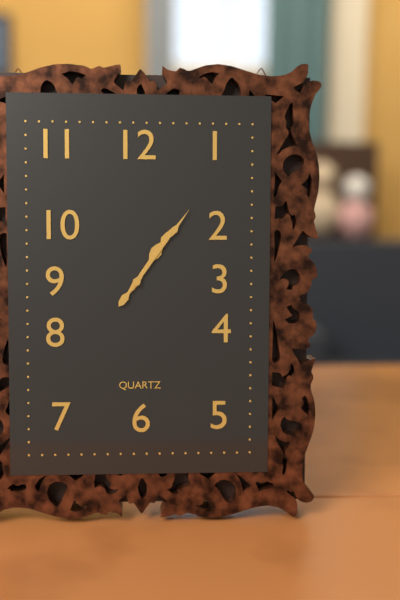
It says 1:06
